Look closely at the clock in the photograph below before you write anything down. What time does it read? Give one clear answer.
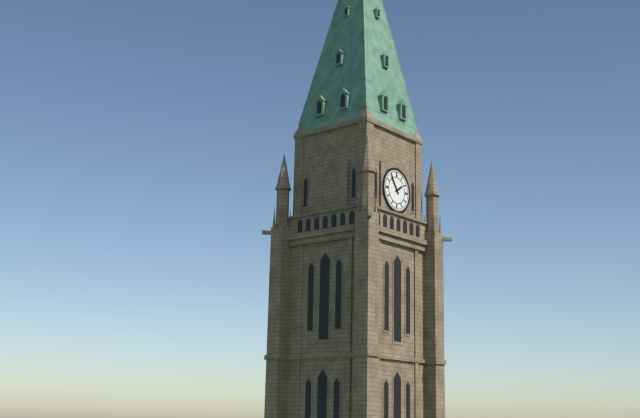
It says 1:54
